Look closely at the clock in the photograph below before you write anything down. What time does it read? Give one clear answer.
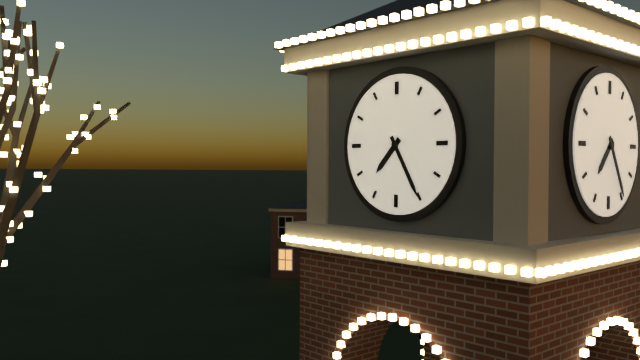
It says 7:25
